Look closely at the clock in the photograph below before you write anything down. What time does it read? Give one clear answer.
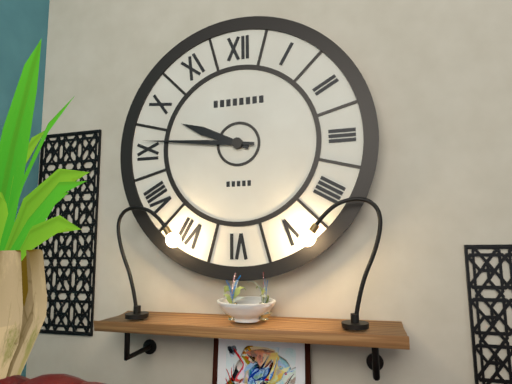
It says 9:46
